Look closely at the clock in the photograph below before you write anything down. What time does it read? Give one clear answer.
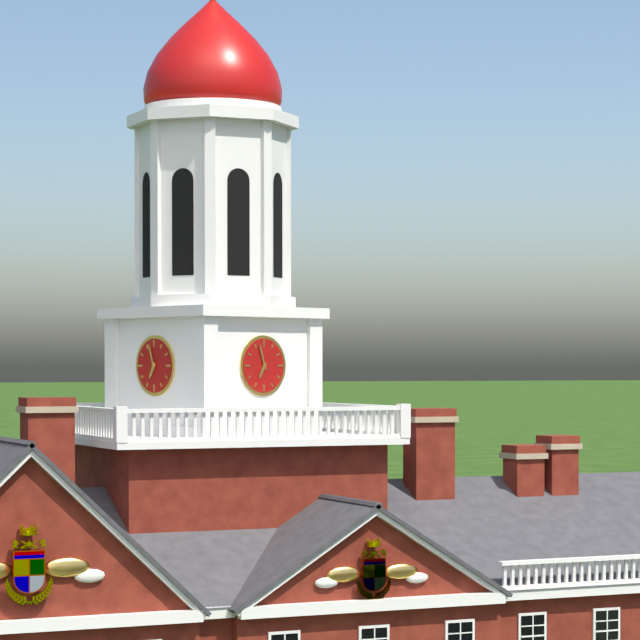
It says 6:57
